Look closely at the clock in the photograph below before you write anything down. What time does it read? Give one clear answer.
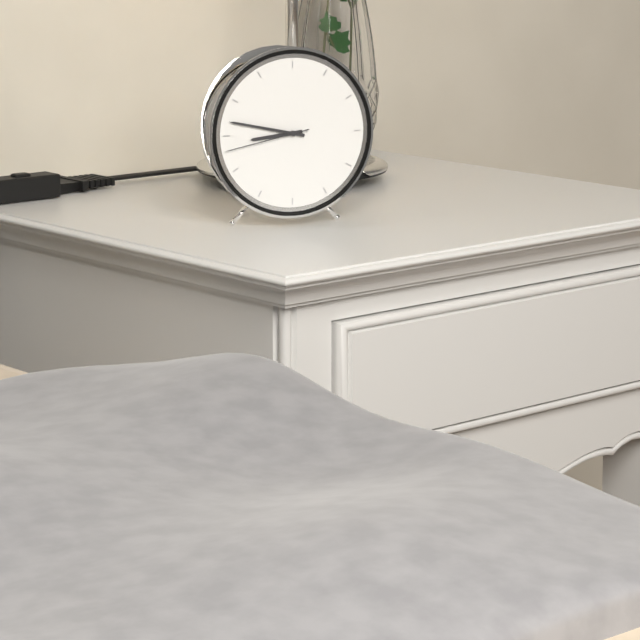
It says 8:47:43
